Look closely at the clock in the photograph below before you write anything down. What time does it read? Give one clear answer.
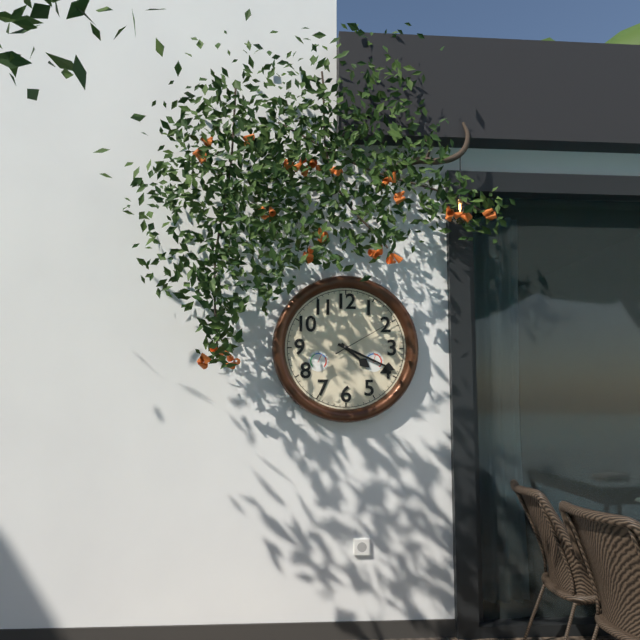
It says 4:19:10
